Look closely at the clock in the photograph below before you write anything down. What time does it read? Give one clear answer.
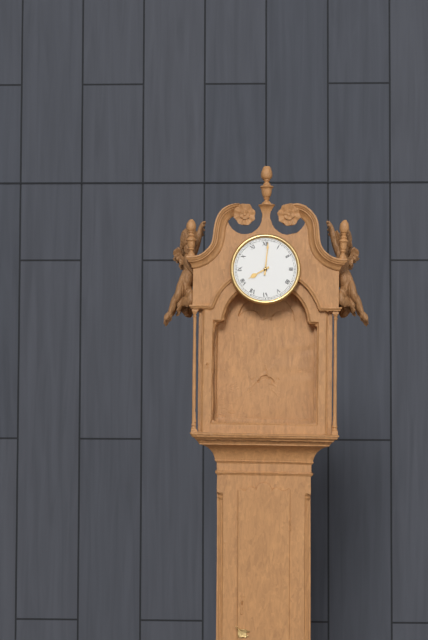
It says 8:01
